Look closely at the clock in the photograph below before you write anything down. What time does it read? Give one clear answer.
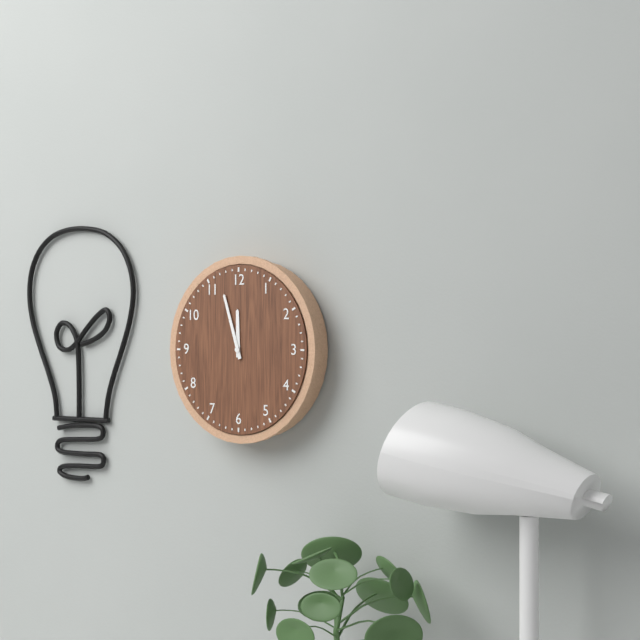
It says 11:57
